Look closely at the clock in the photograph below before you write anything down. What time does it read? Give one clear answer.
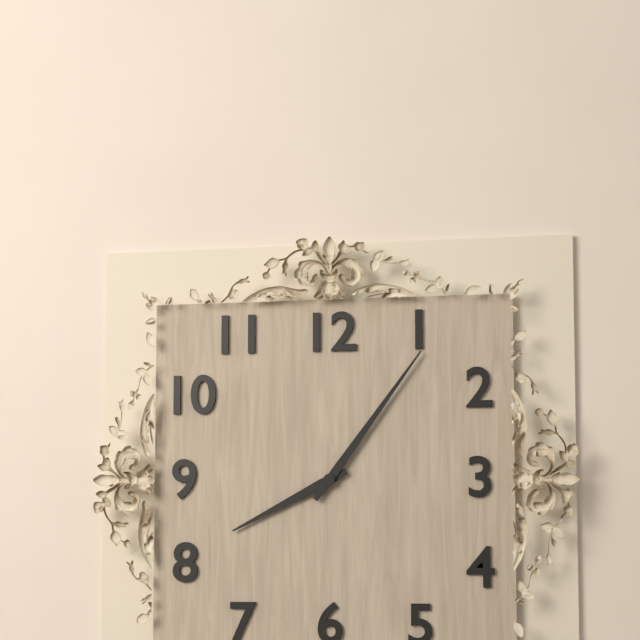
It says 8:06
